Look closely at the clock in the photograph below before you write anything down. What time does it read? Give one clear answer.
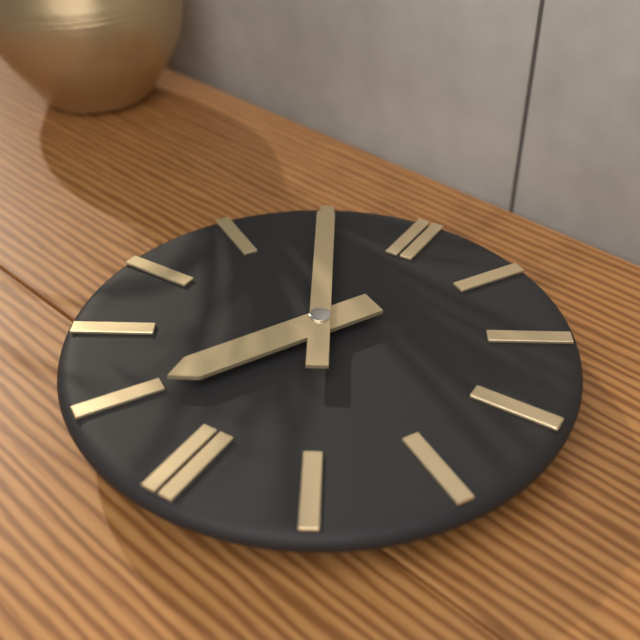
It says 6:55
